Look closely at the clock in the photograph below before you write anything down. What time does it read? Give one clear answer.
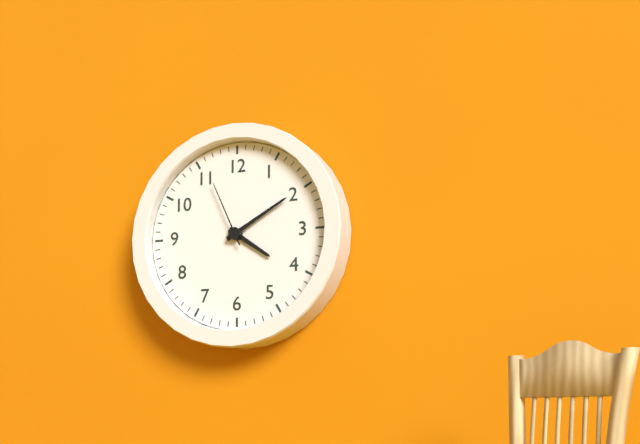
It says 4:10:56
